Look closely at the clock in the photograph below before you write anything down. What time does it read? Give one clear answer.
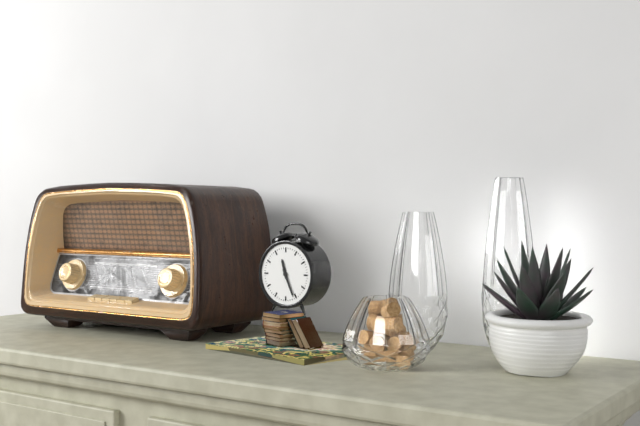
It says 11:26
